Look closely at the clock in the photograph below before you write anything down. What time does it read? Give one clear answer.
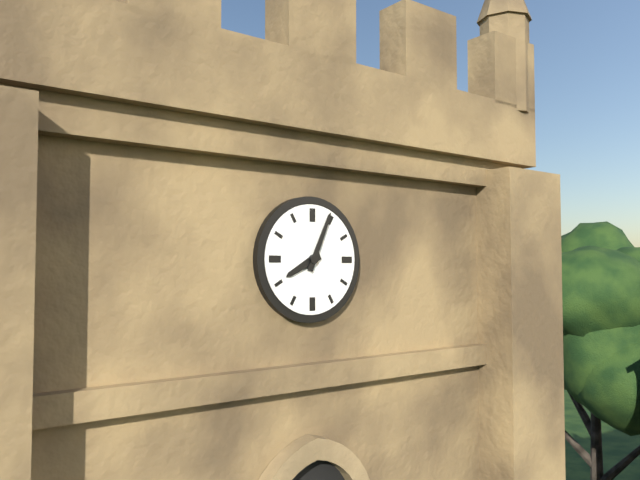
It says 8:04
